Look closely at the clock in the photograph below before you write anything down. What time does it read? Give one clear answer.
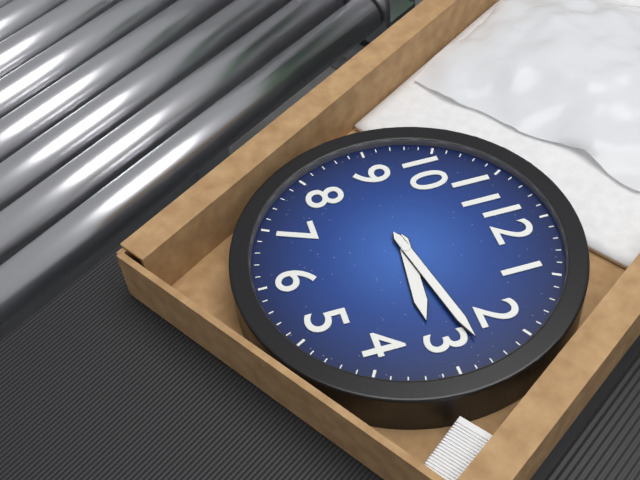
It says 3:13
